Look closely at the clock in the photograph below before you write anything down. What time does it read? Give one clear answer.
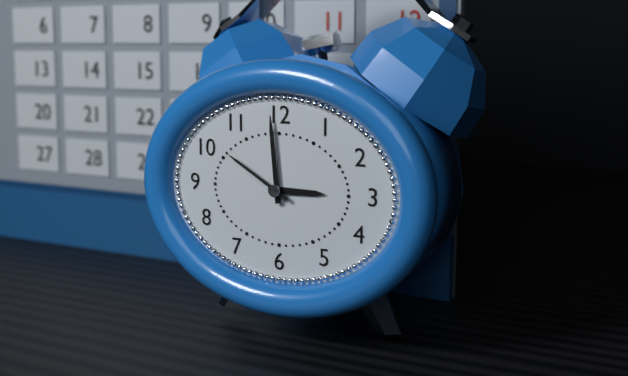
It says 2:59:50
